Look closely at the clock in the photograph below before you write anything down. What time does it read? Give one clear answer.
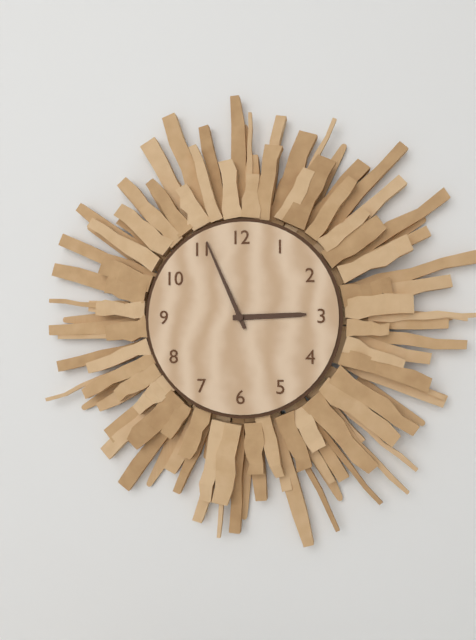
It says 2:56
